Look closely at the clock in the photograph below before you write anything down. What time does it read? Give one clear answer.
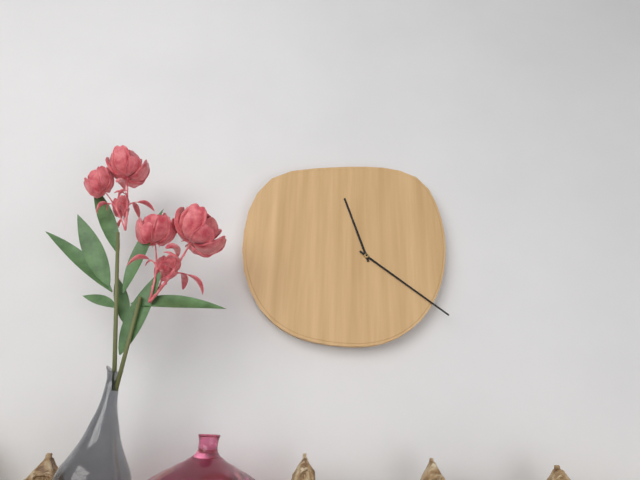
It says 11:21
